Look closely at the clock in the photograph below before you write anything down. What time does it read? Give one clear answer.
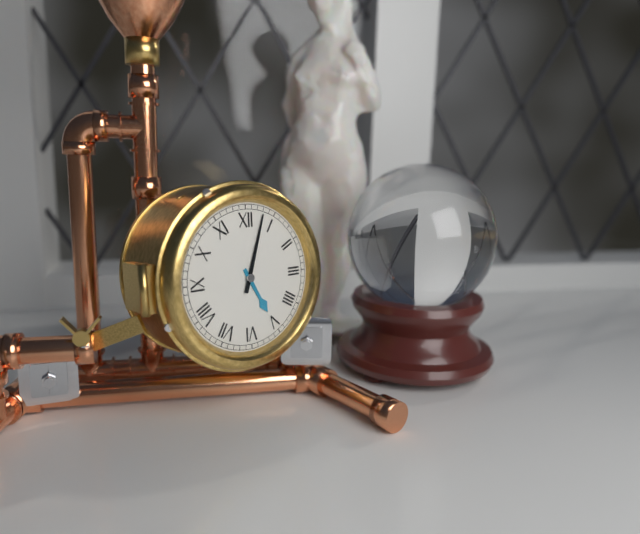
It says 5:03
